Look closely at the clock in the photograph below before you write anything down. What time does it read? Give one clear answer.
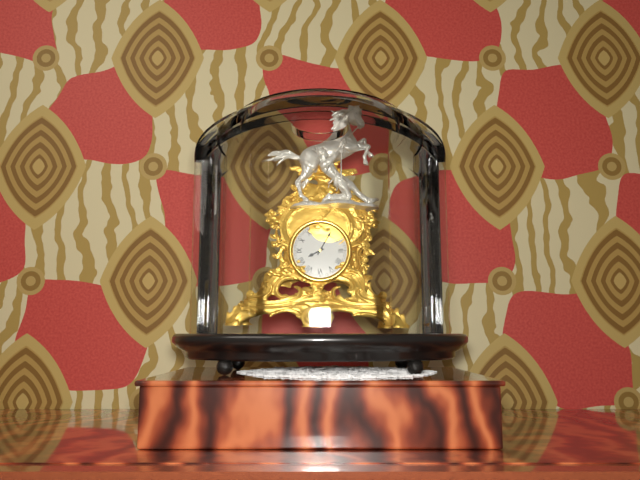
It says 8:05
